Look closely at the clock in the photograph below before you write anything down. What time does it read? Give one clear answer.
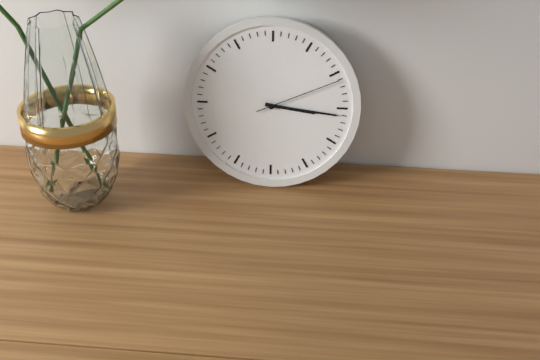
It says 3:16:11
